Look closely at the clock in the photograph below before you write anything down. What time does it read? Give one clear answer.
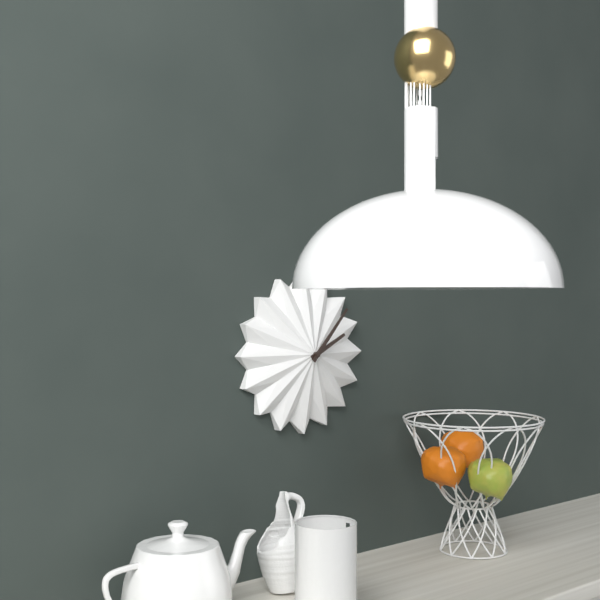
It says 2:07
